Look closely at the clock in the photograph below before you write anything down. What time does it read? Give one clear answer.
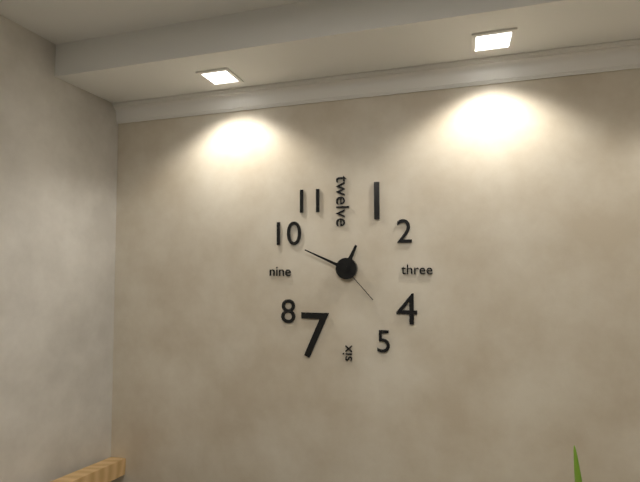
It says 12:49:23
